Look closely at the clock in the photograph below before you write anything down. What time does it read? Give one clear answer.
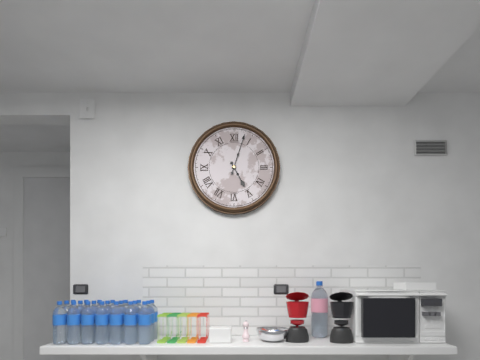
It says 5:03
